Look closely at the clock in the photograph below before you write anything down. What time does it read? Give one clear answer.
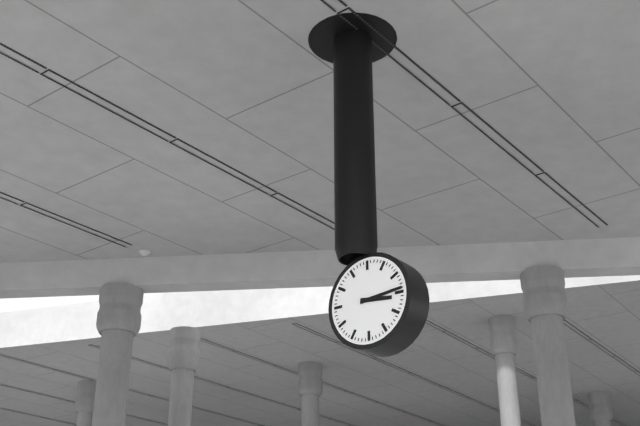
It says 3:14
